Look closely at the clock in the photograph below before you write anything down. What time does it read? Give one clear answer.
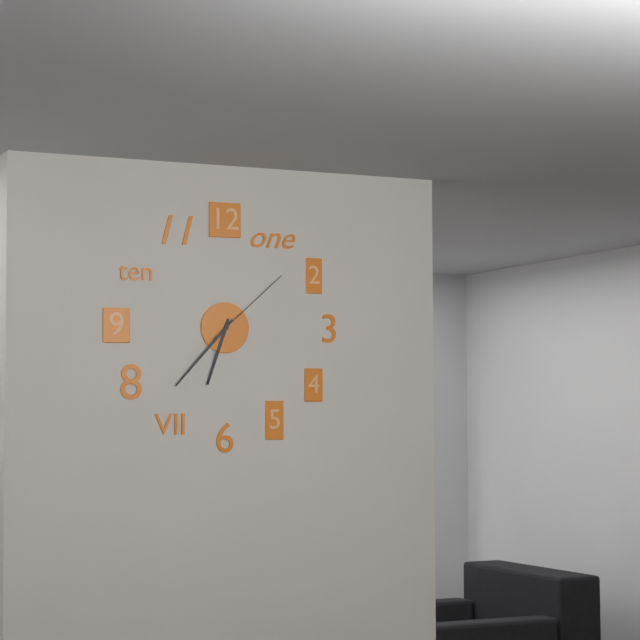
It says 6:37:08
